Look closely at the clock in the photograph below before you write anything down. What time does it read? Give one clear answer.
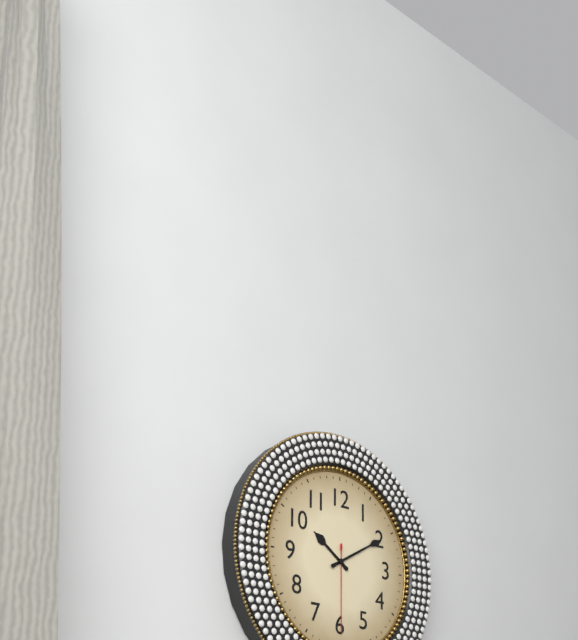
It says 10:10:30
